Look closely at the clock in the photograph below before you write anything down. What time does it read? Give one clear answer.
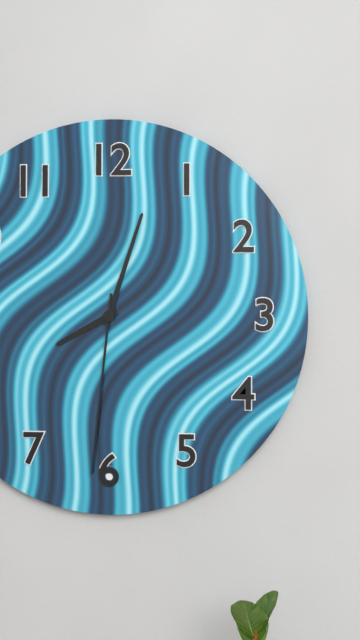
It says 8:03:31
